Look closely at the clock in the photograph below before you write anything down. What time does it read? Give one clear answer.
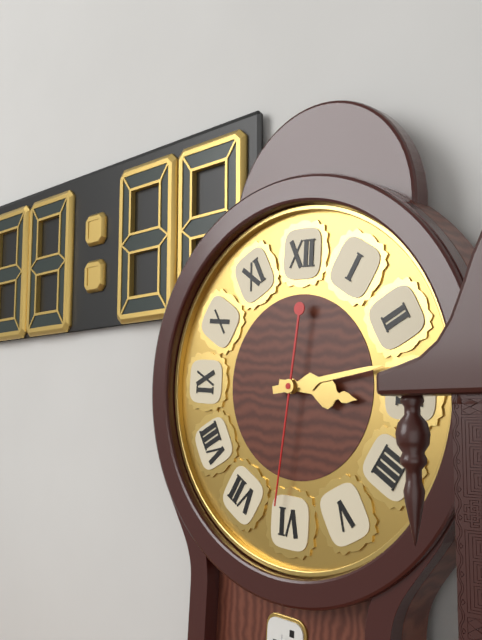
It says 3:13:31
